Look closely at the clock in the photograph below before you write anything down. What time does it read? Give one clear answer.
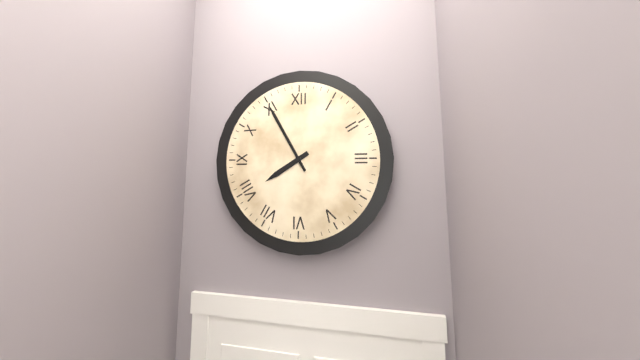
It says 7:55
